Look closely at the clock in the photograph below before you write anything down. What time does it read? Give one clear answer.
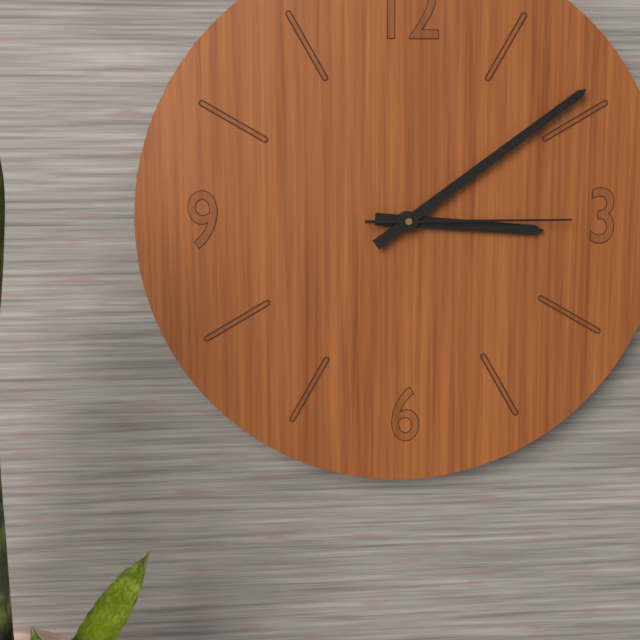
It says 3:09:15
